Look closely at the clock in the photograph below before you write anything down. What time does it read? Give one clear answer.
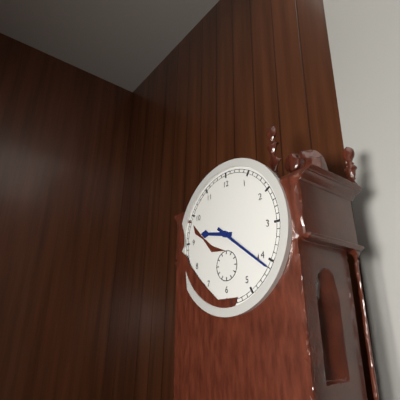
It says 9:21
